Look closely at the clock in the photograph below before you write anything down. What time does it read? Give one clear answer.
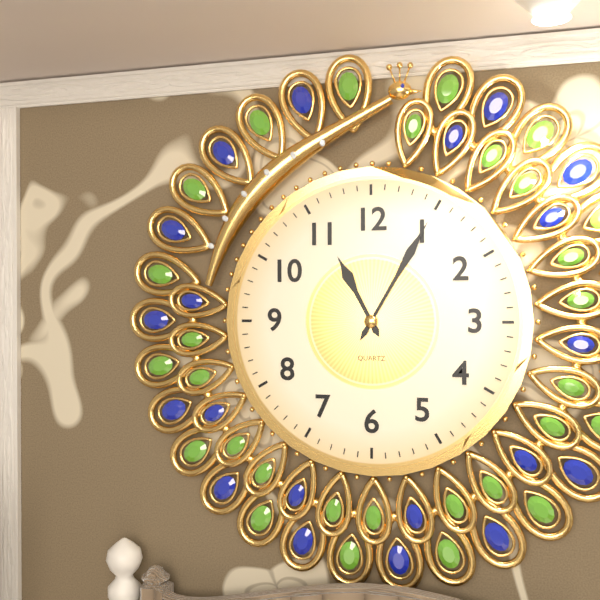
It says 11:05
